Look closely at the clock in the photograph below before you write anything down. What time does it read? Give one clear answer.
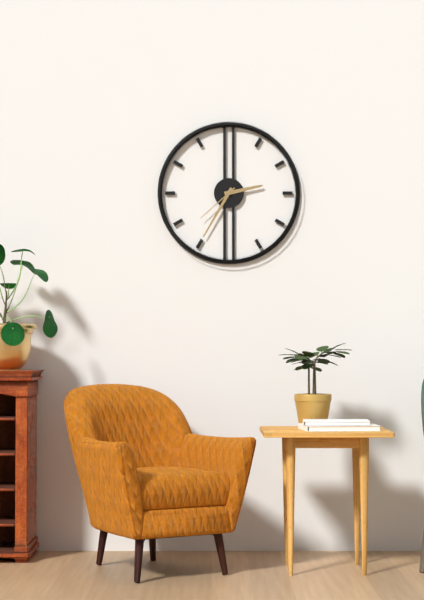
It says 2:35
